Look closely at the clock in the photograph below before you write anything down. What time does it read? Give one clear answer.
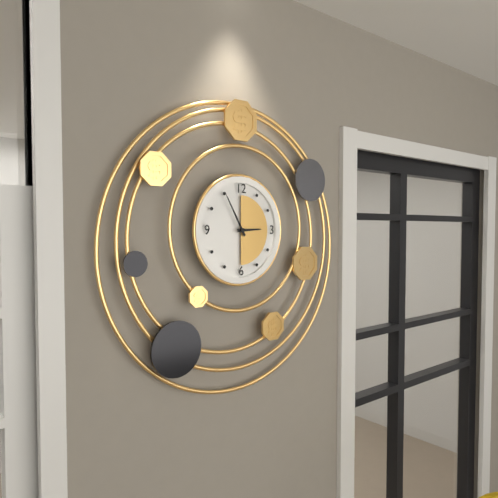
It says 2:55
